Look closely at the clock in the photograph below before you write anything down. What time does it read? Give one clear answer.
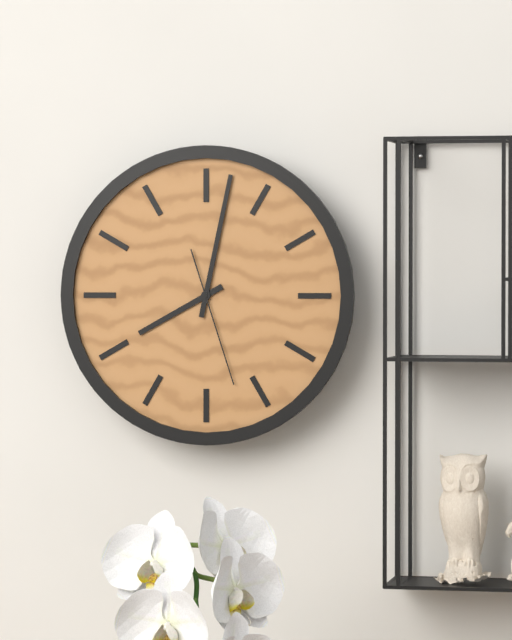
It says 8:02:27
